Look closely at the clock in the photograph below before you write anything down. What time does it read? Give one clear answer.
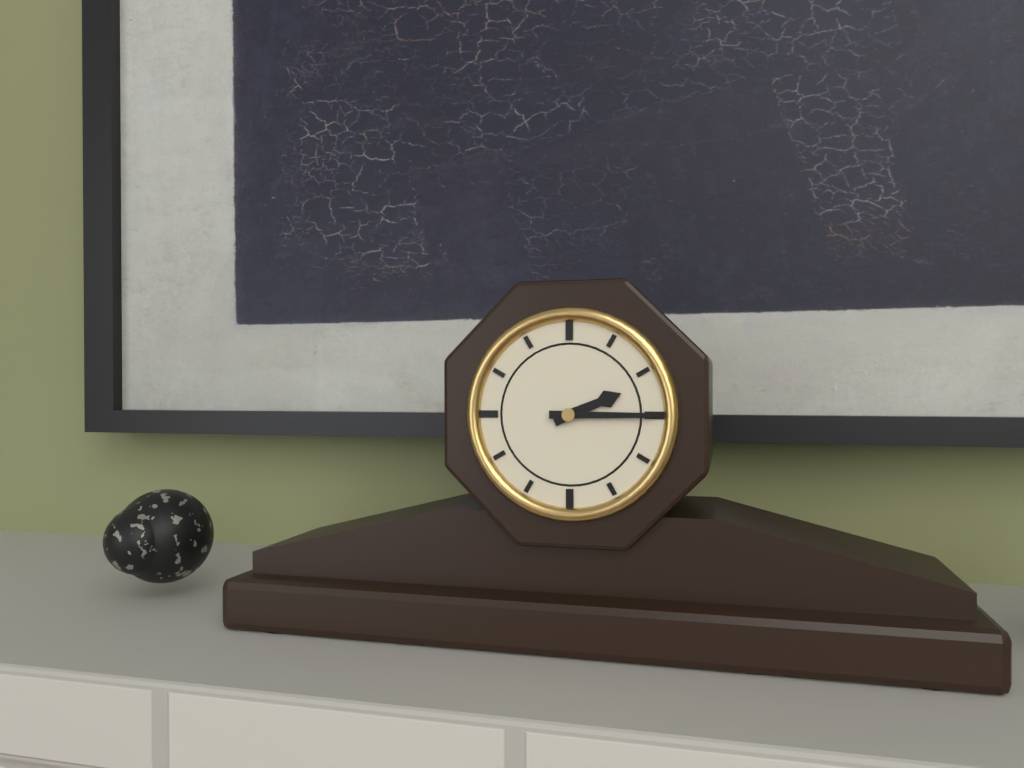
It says 2:15
